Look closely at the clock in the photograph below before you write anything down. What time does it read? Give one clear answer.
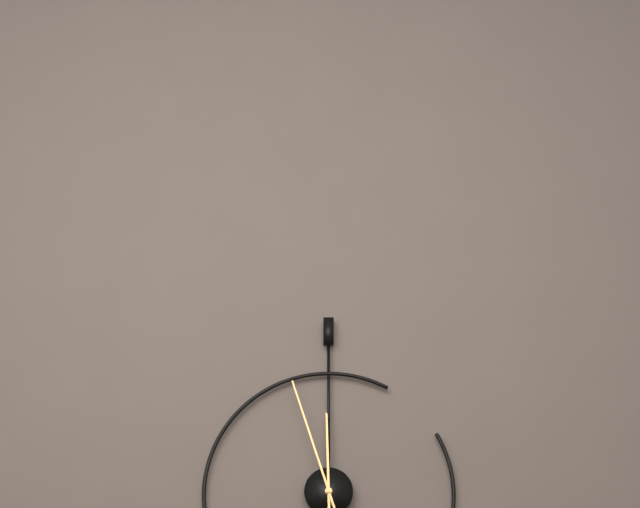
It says 11:57
